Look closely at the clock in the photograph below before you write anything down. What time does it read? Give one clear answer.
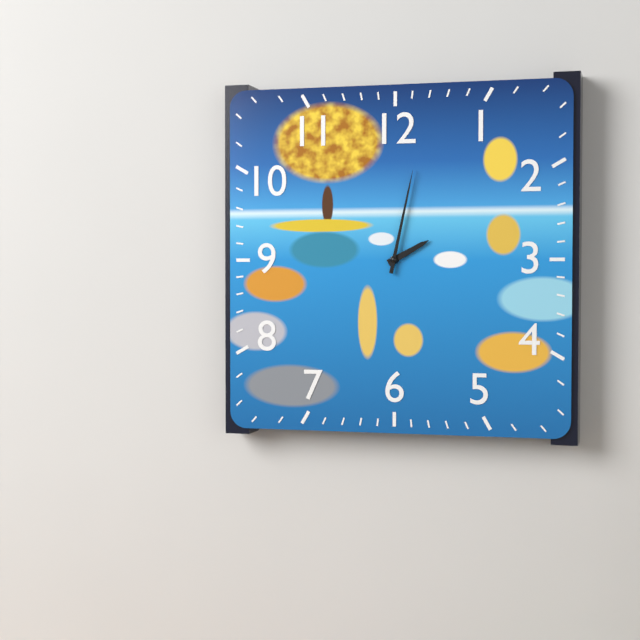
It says 2:02
